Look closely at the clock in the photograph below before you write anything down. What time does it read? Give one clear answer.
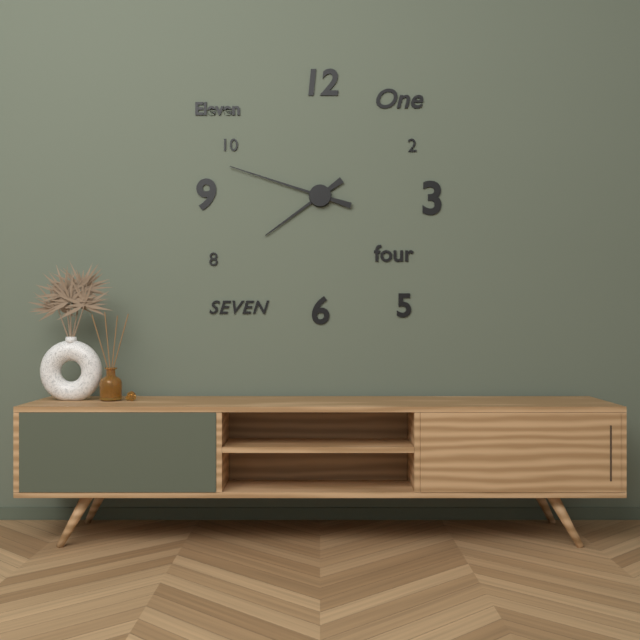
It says 7:48
